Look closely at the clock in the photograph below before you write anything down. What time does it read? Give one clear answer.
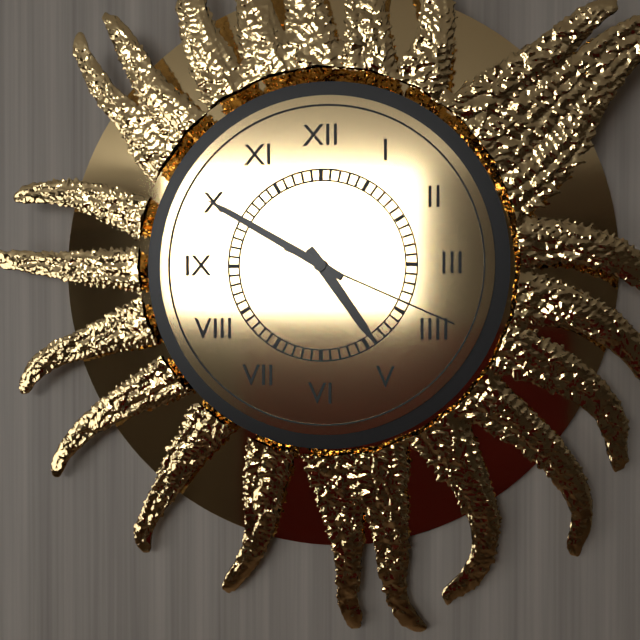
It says 4:50:19
